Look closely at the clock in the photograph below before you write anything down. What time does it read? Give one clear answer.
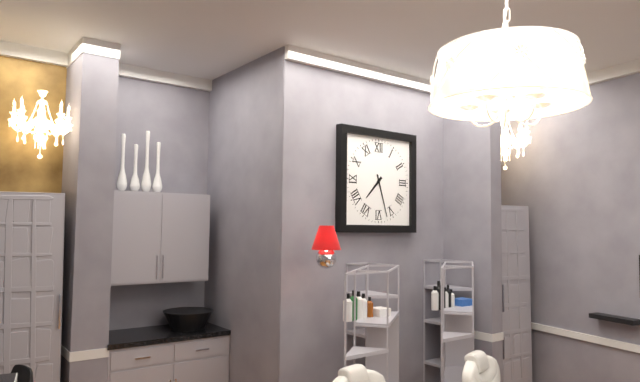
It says 7:27
